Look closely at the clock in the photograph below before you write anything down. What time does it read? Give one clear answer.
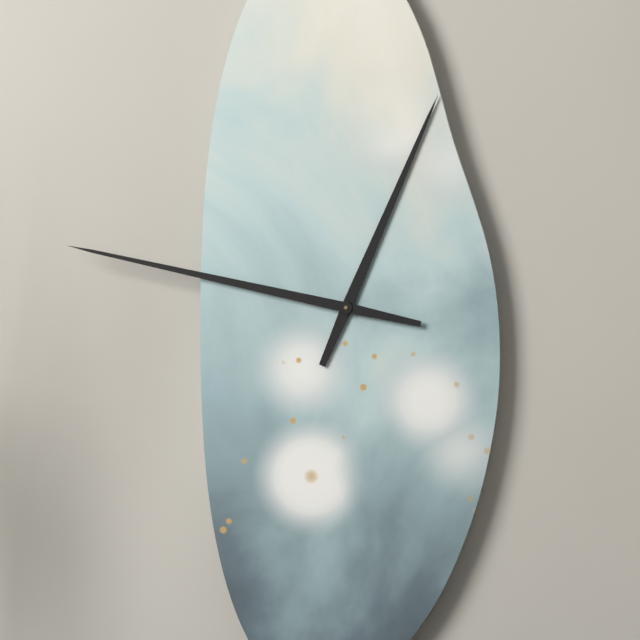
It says 12:47
